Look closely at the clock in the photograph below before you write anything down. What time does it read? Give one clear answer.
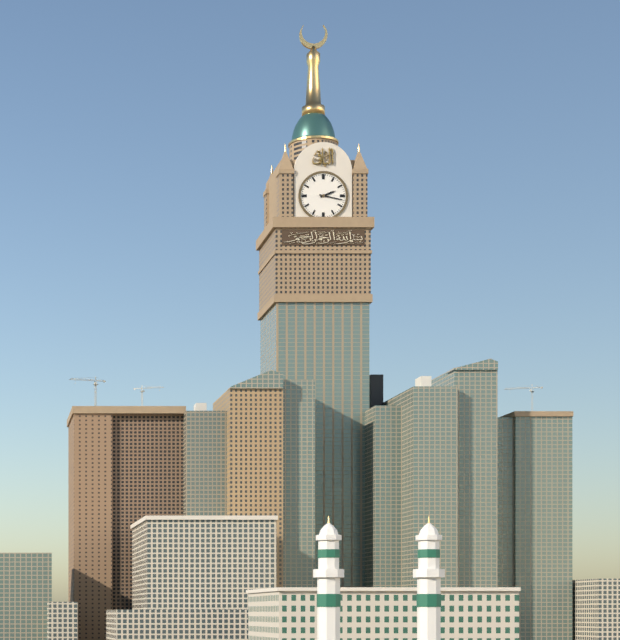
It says 2:17
